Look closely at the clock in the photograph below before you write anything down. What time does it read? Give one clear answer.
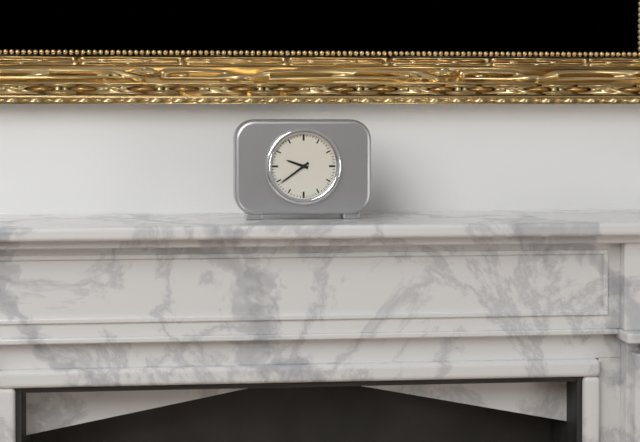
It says 9:39
